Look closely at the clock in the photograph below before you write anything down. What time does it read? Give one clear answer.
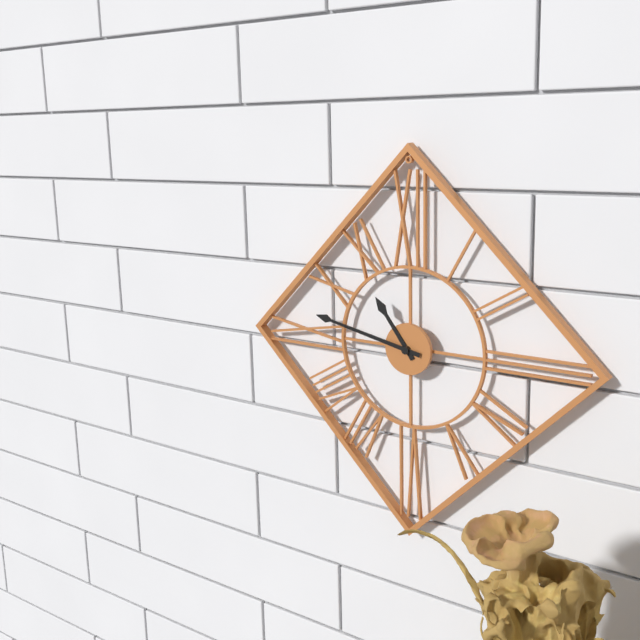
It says 10:47
